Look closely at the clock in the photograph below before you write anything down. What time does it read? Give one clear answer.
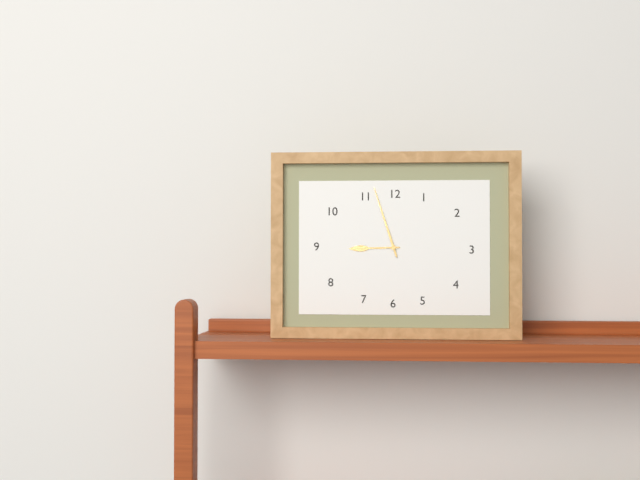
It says 8:57
